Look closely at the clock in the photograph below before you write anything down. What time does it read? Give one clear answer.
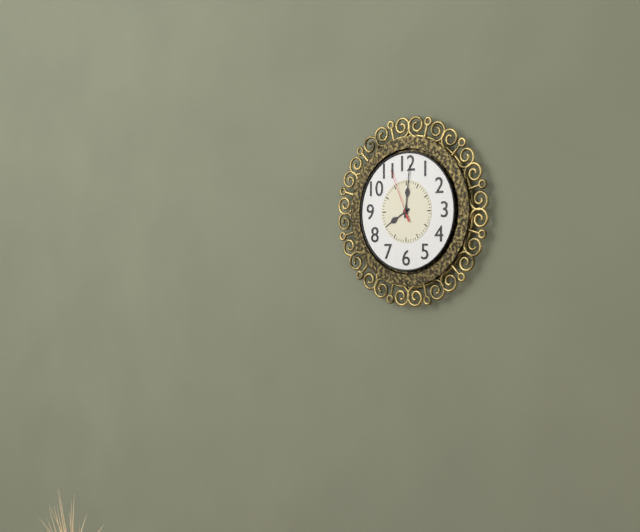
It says 8:01:56
